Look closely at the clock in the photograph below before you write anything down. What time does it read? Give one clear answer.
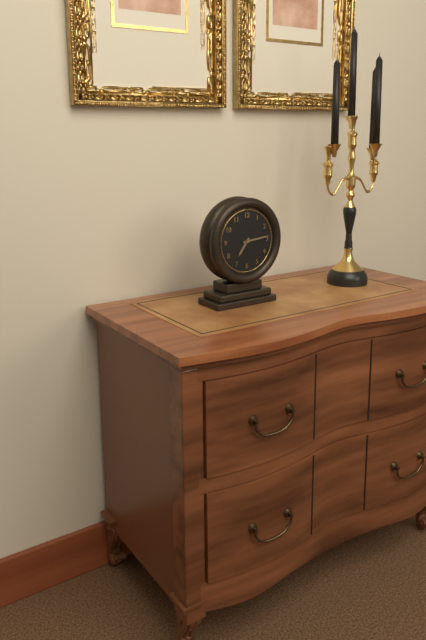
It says 7:14
